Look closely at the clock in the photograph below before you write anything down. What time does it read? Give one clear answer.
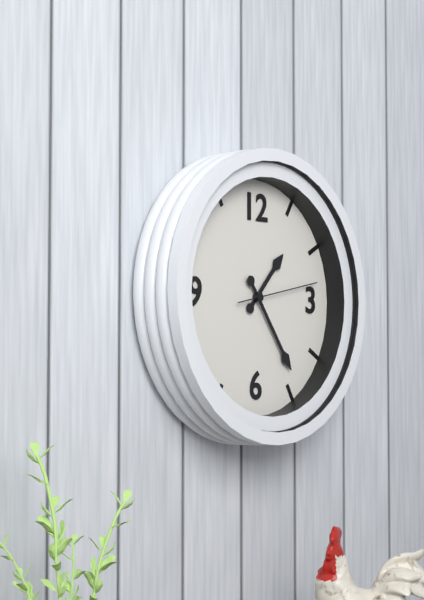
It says 1:24:13
